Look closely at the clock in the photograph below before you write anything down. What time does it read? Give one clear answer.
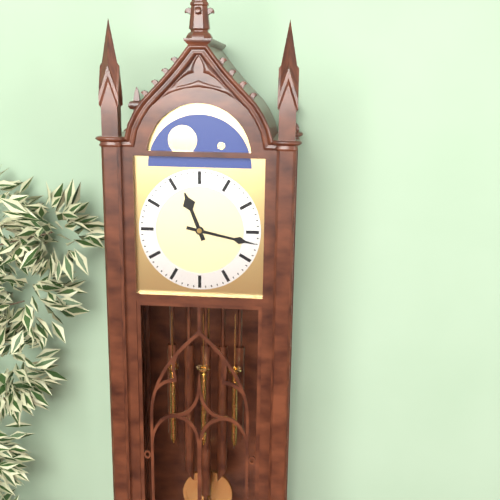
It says 11:17
